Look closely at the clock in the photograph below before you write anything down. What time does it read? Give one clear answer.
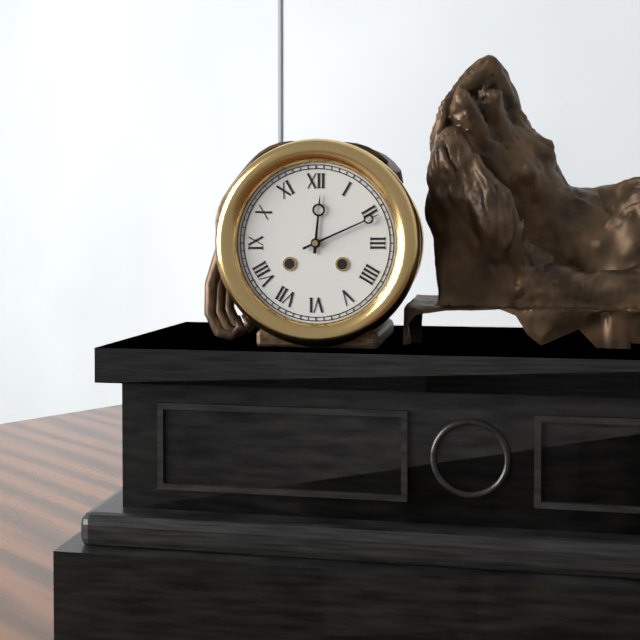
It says 12:11
